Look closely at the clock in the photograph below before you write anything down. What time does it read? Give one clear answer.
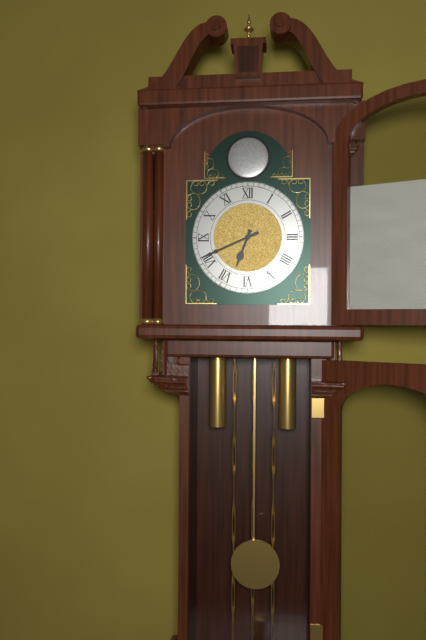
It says 6:41
